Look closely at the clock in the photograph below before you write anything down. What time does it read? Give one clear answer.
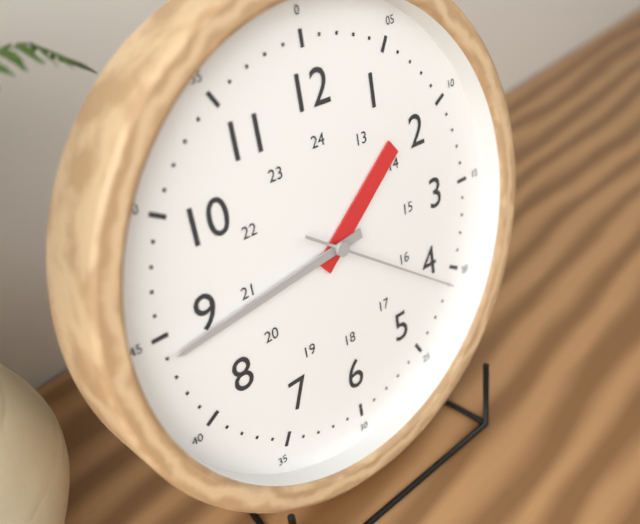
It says 1:44:21
